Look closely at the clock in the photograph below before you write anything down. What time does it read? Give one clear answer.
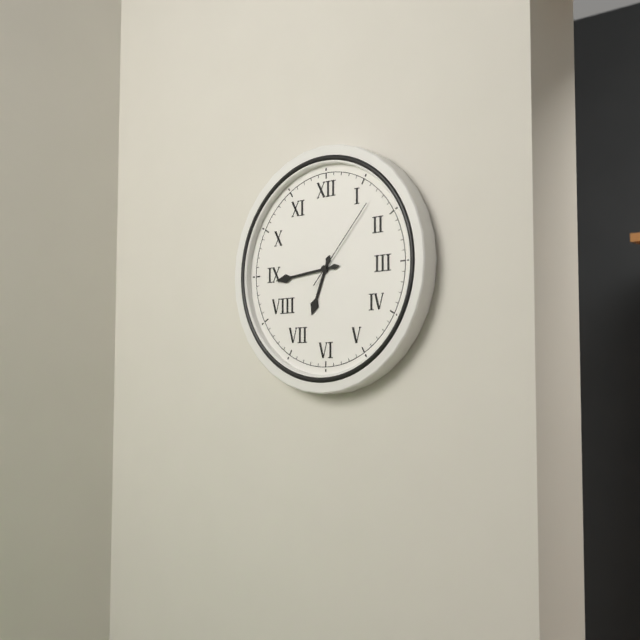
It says 6:44:07
